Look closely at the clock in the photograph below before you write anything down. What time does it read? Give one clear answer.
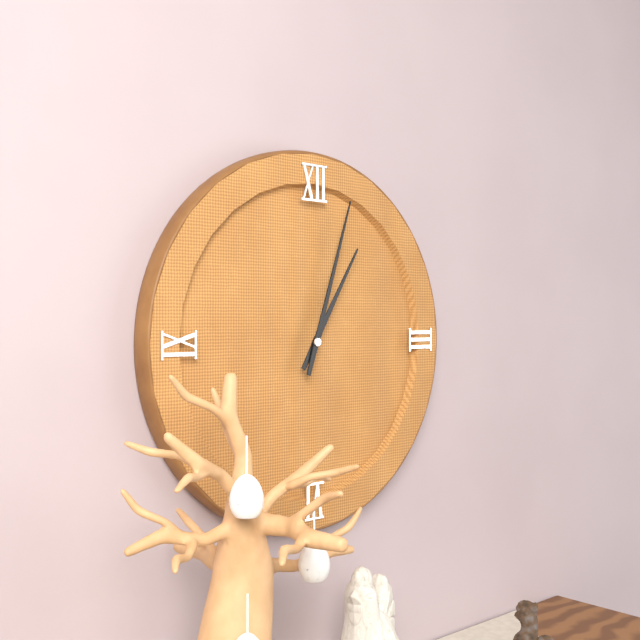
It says 1:03
